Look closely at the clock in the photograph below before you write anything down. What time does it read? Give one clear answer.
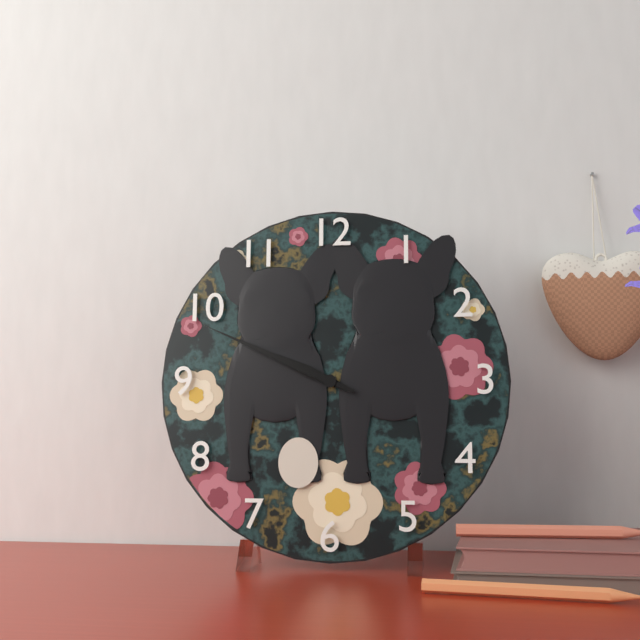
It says 9:49
